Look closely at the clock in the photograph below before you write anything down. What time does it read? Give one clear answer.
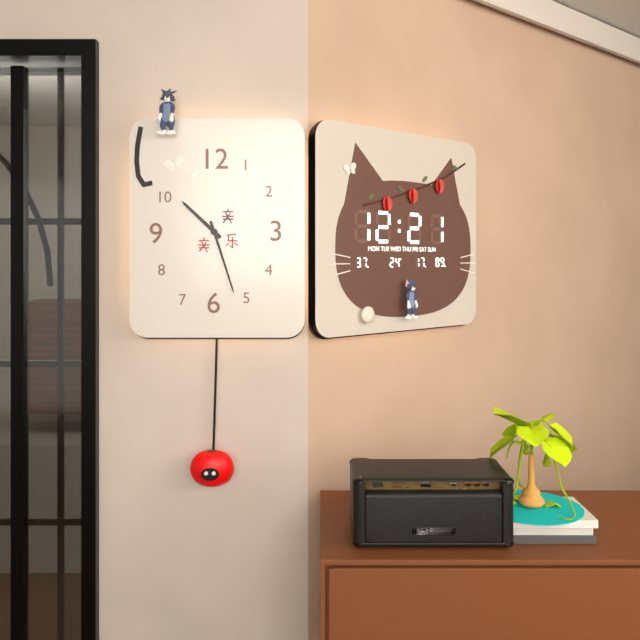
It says 10:27
